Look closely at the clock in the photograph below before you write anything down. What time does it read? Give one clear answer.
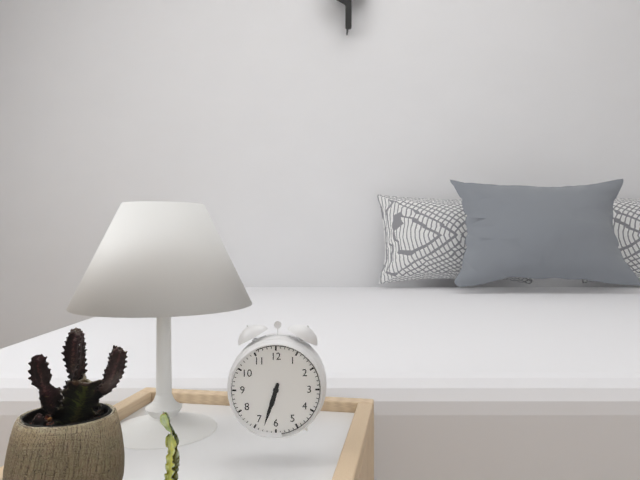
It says 6:33
